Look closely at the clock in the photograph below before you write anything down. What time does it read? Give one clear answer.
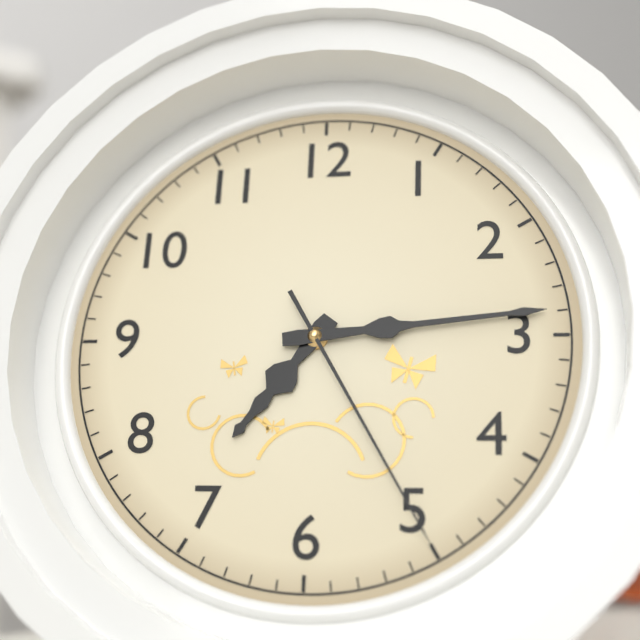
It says 7:14:25
